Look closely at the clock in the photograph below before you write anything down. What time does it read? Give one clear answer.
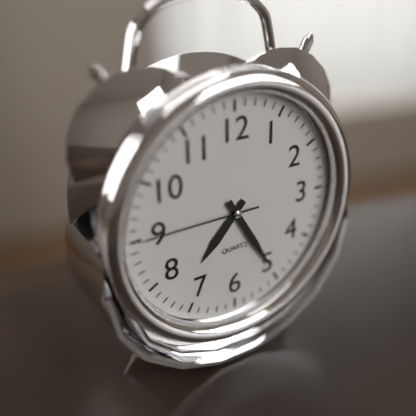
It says 7:25:45
